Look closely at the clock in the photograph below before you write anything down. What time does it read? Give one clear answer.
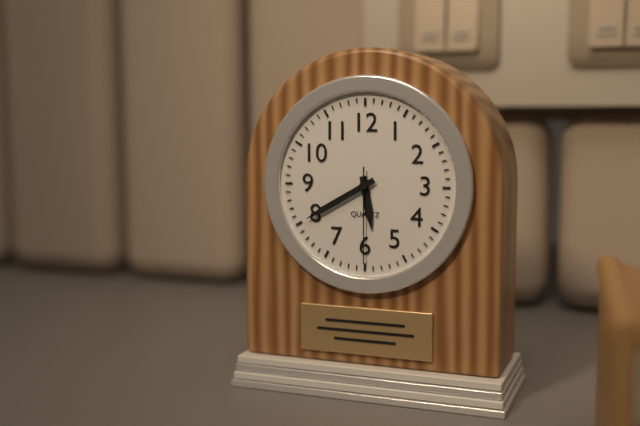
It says 5:40:30
